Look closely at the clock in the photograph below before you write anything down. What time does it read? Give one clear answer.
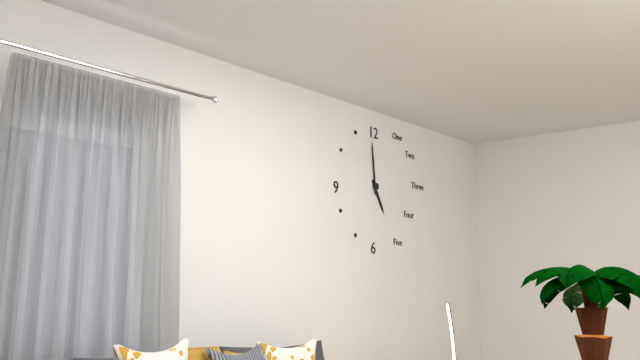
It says 4:59
